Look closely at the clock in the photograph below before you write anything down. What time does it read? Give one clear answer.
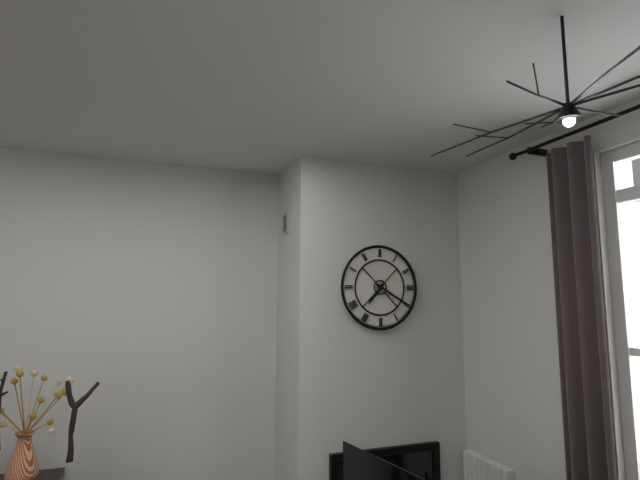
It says 7:20
